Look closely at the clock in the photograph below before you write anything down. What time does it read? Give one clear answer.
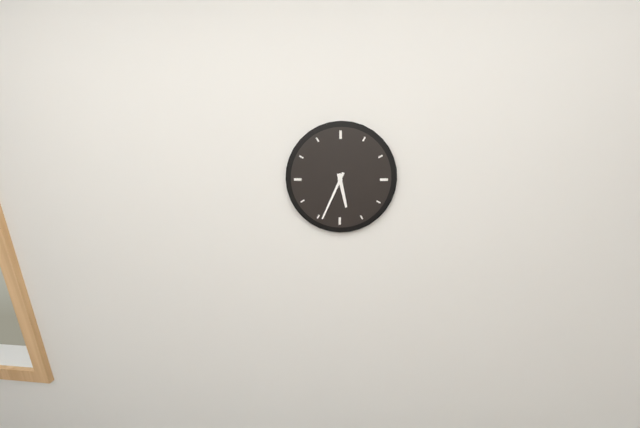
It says 5:34
